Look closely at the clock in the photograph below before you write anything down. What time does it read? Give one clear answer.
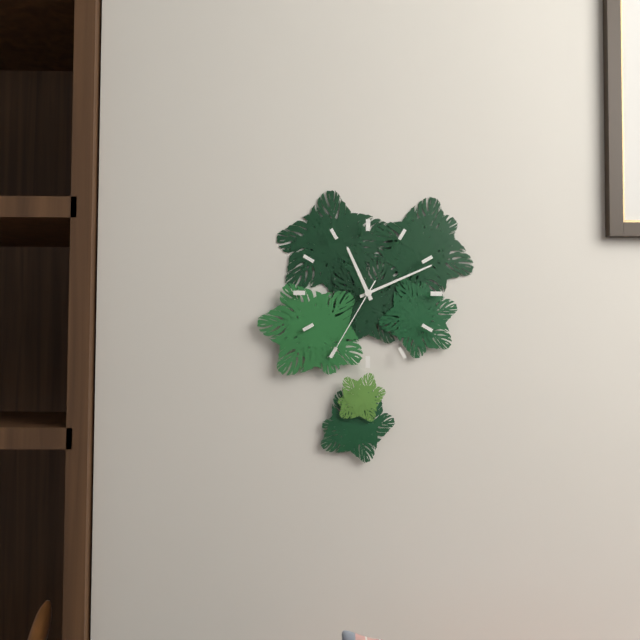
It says 11:11:35
